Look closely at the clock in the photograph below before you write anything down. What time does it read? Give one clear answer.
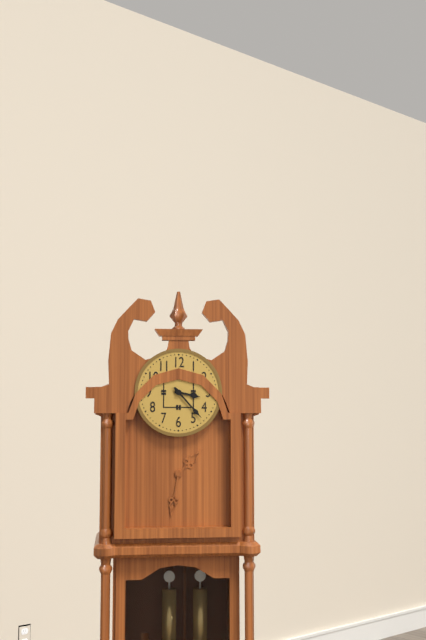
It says 3:23
